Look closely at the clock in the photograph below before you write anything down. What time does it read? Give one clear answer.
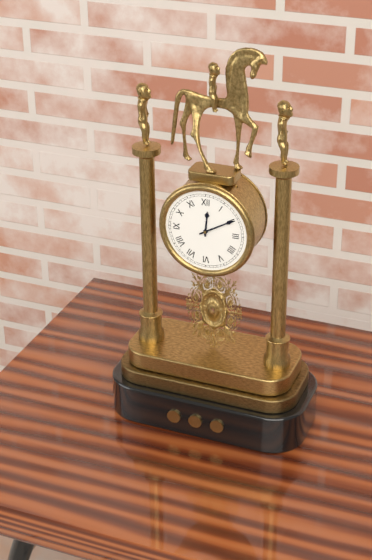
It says 12:10
